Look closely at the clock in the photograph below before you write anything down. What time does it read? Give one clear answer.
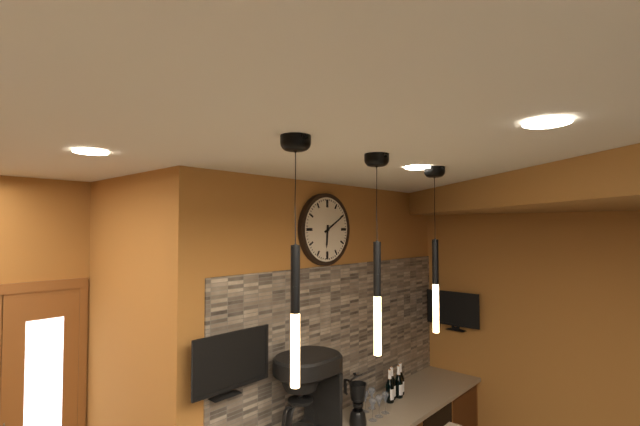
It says 6:10
